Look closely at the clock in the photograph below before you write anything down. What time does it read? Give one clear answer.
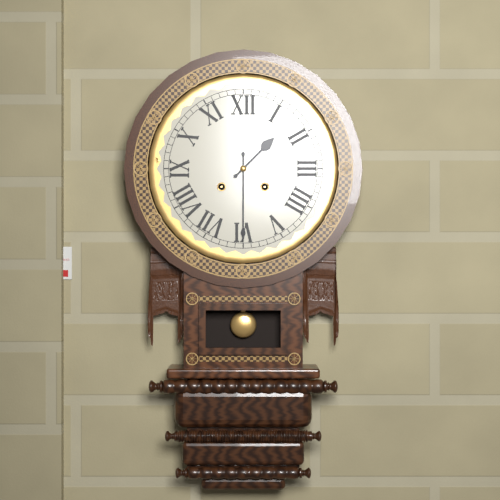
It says 1:30
